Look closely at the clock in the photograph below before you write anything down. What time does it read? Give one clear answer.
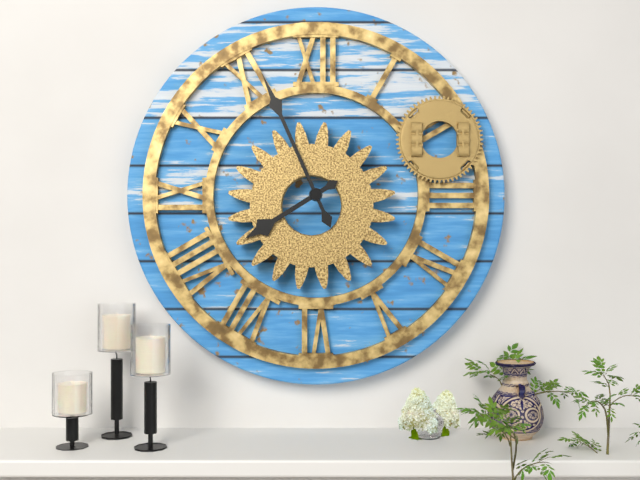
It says 7:56
